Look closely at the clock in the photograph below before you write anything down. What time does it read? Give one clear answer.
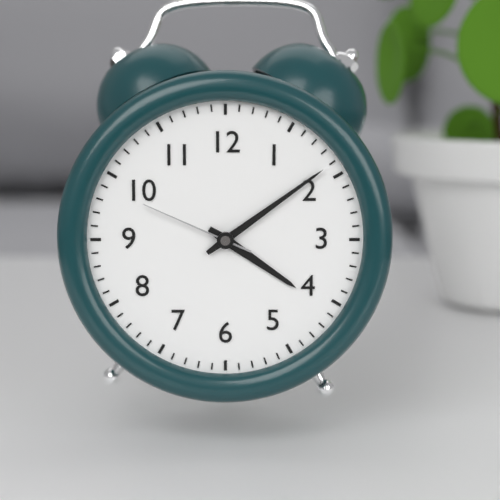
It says 4:09:49
